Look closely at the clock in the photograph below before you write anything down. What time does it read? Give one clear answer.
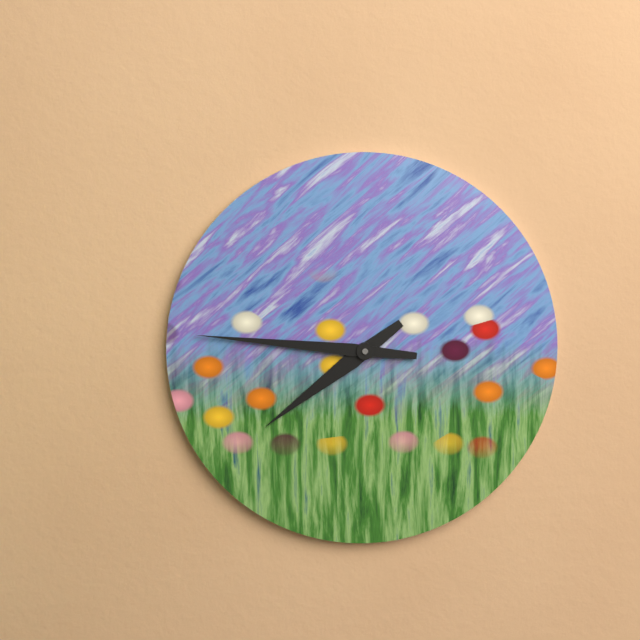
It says 7:46
